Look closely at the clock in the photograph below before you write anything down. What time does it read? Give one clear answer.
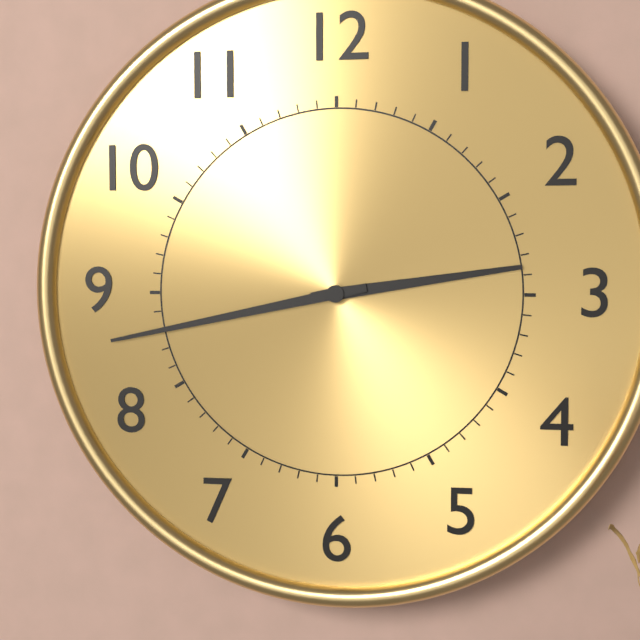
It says 2:43
